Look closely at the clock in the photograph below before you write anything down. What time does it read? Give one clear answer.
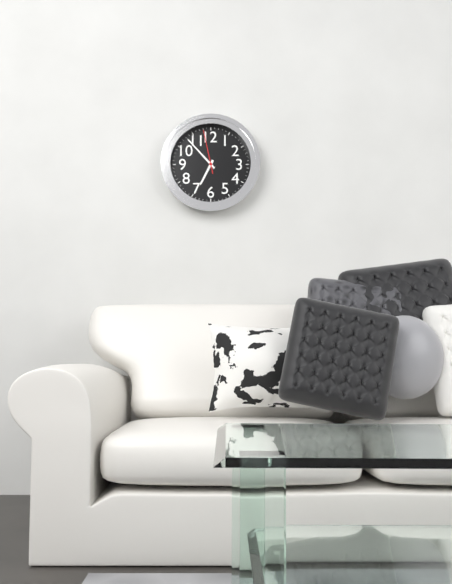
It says 6:53
